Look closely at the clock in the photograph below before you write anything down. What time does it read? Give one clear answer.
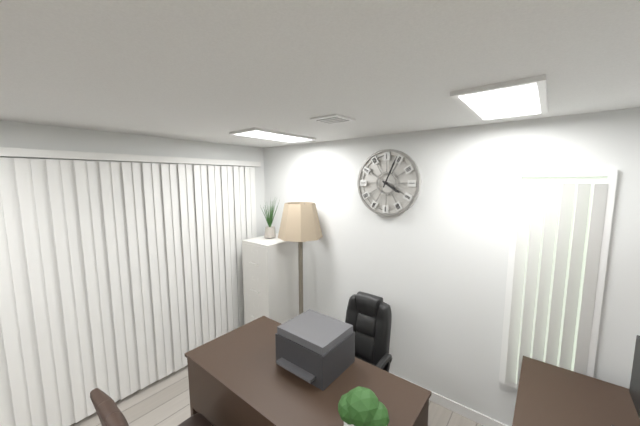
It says 4:04
